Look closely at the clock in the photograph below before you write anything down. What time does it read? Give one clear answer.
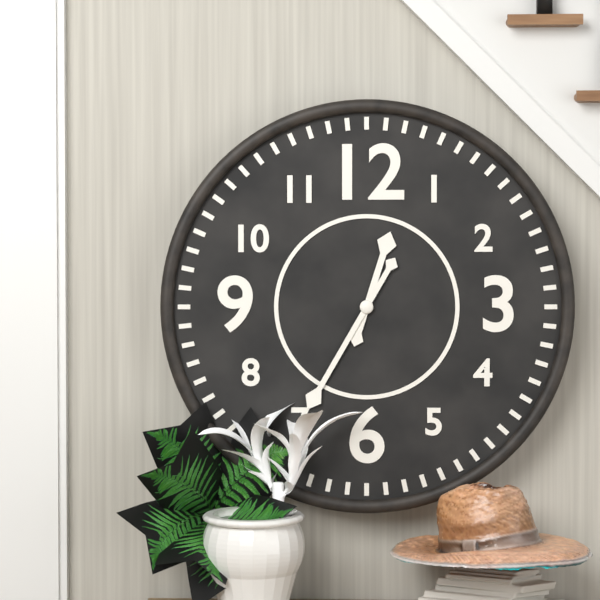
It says 12:35
